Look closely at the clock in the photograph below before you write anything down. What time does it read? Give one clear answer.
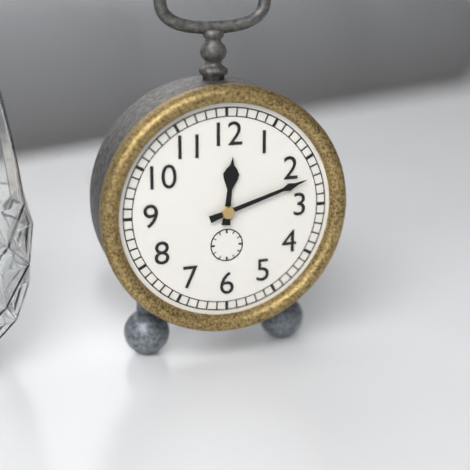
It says 12:12
